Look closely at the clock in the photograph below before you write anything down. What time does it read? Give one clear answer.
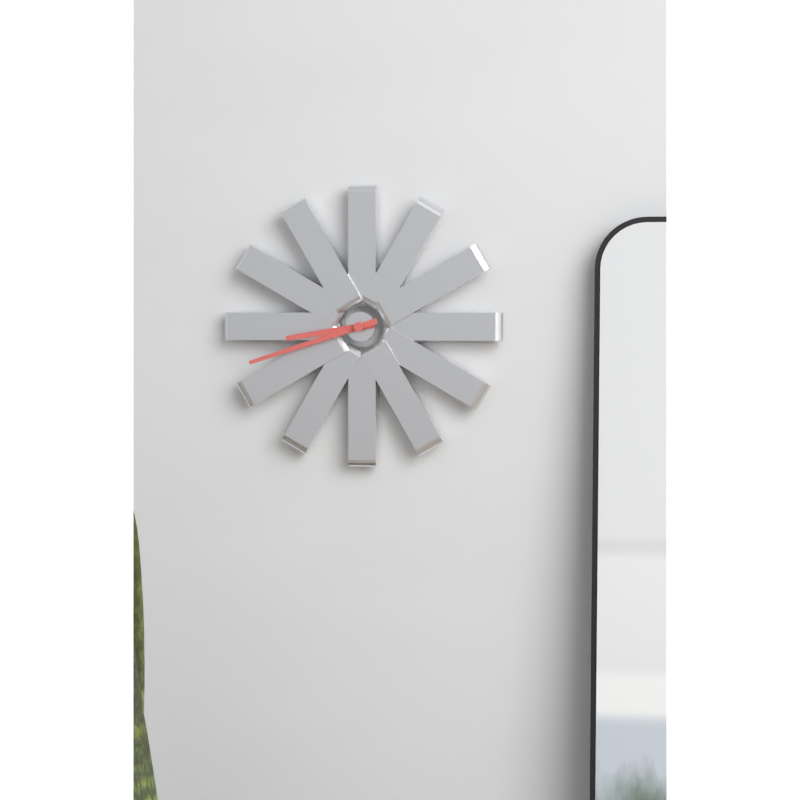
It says 8:42
